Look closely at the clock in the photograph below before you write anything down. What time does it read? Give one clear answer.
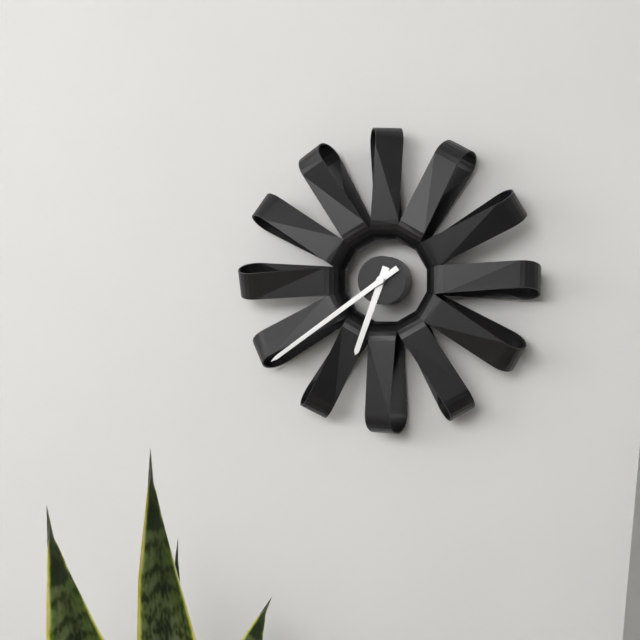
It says 6:39
